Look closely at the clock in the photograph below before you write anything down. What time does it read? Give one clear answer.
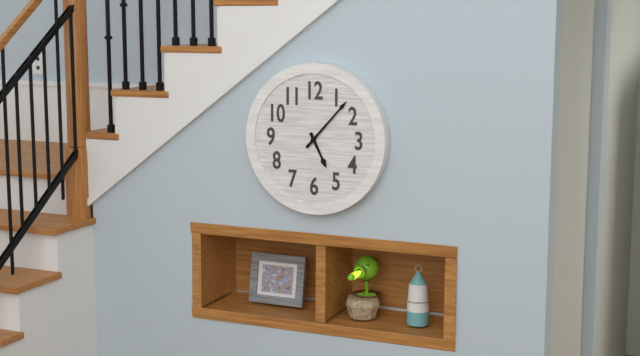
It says 5:07
